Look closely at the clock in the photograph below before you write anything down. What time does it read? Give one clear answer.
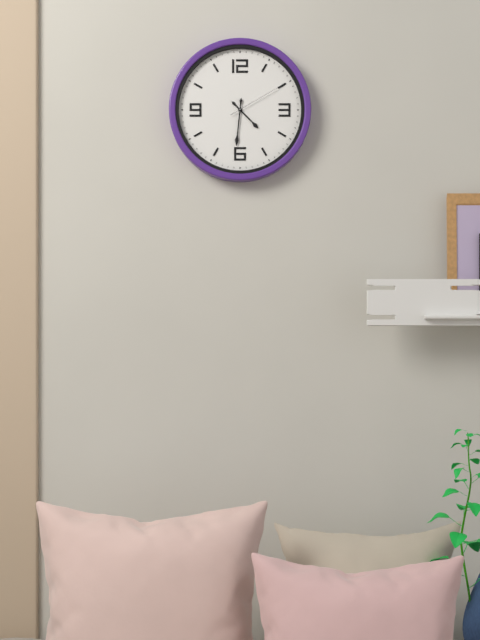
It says 4:31:10
